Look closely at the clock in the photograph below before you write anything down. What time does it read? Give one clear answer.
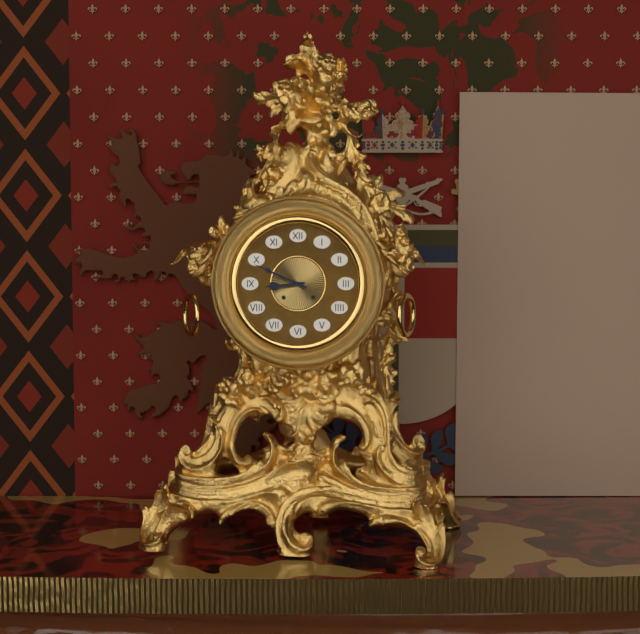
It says 8:49
